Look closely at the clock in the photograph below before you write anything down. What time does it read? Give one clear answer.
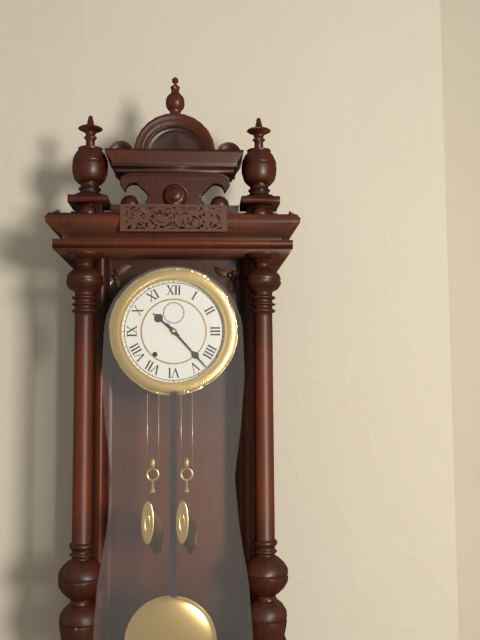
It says 10:23
